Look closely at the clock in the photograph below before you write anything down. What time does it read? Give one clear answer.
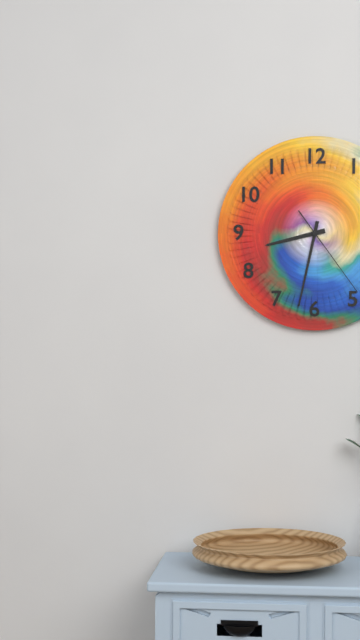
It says 8:32:24
